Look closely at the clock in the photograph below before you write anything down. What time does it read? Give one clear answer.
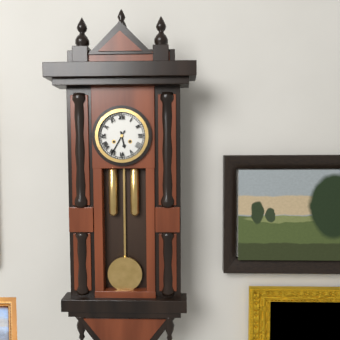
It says 5:35
